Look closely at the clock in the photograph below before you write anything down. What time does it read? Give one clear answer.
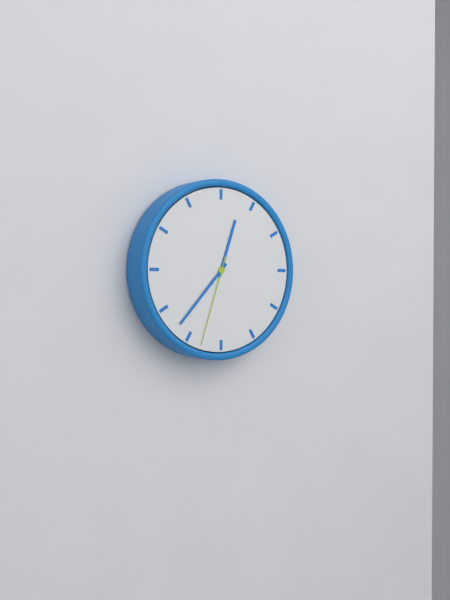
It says 12:37:33
